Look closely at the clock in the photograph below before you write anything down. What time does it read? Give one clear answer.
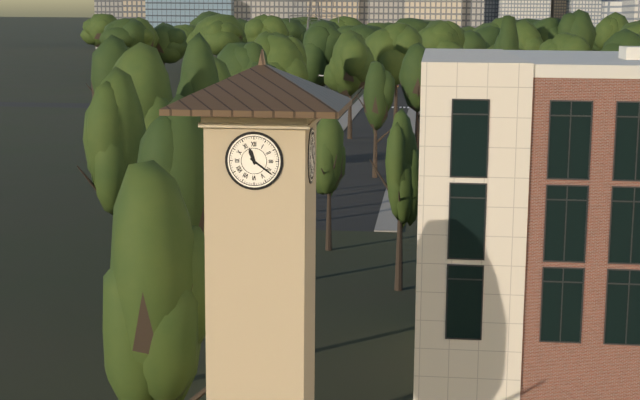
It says 11:21
